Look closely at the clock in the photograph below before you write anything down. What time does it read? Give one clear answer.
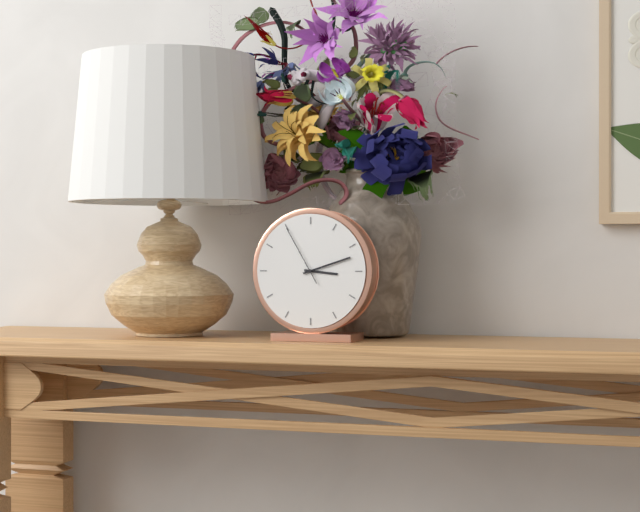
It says 3:12:55
